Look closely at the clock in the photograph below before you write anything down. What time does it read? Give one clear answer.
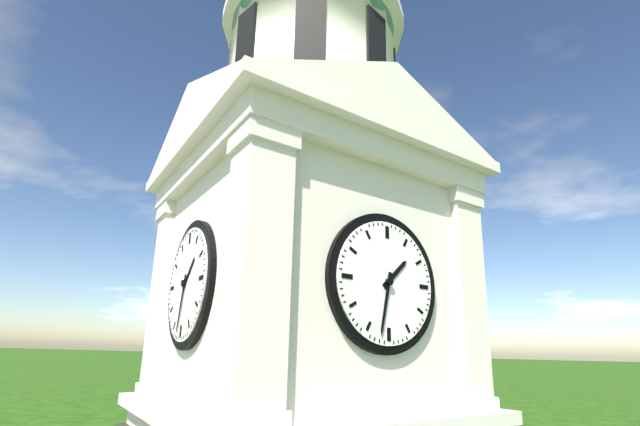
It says 1:32
